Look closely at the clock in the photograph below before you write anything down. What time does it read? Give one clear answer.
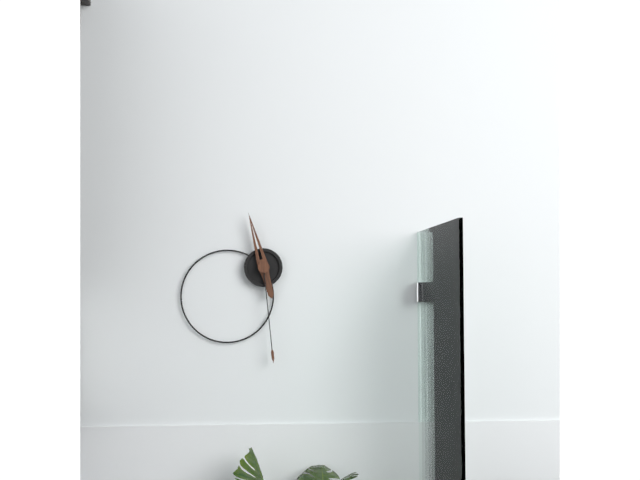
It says 11:29
